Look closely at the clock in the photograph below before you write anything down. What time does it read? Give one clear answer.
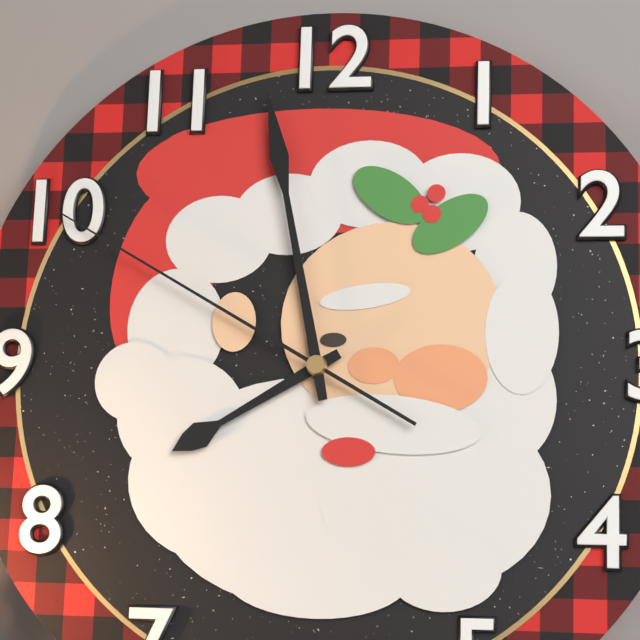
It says 7:58:50
